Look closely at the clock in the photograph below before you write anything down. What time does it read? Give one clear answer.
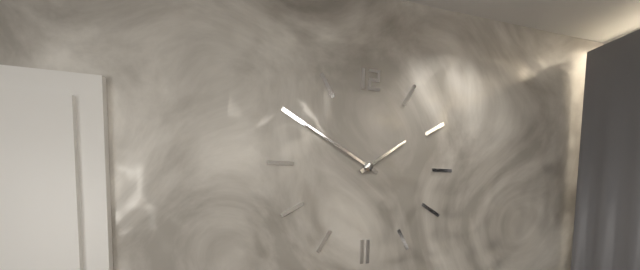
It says 1:50
